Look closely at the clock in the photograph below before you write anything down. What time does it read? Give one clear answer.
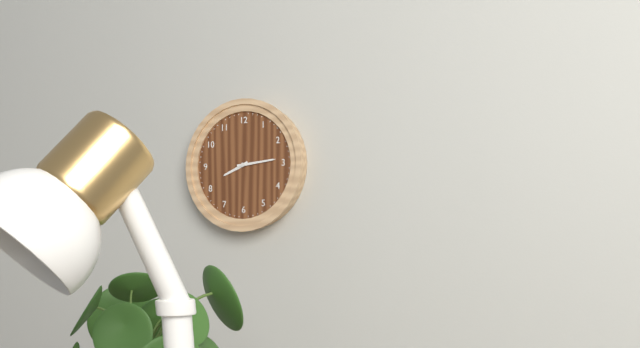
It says 8:14
